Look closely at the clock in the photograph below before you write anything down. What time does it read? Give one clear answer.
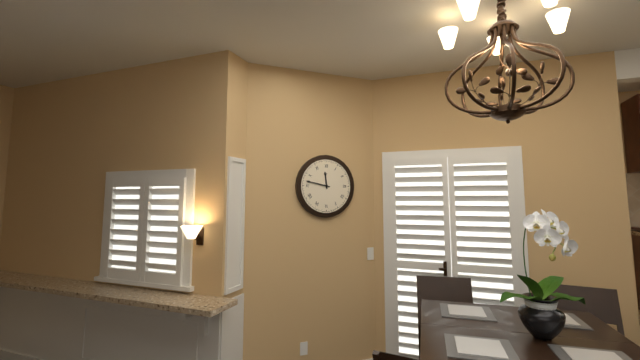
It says 11:47
